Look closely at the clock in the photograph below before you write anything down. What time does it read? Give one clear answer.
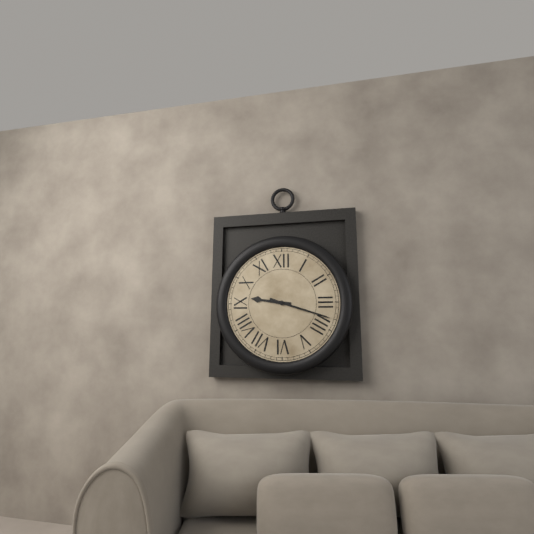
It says 9:18
